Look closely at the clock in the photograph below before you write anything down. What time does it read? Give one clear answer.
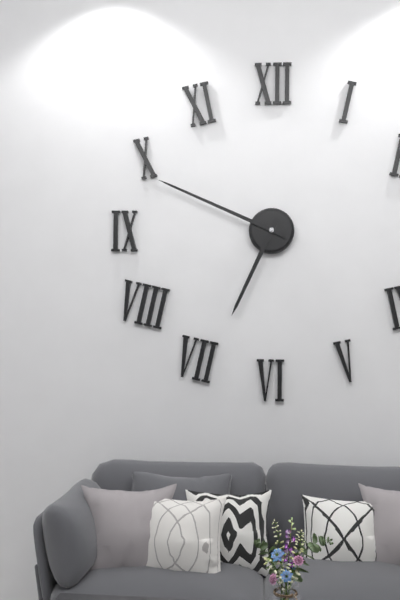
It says 6:49
